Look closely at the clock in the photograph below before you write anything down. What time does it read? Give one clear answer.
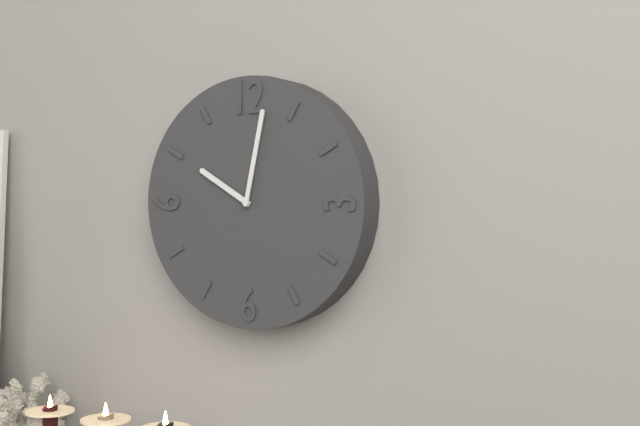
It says 10:02
